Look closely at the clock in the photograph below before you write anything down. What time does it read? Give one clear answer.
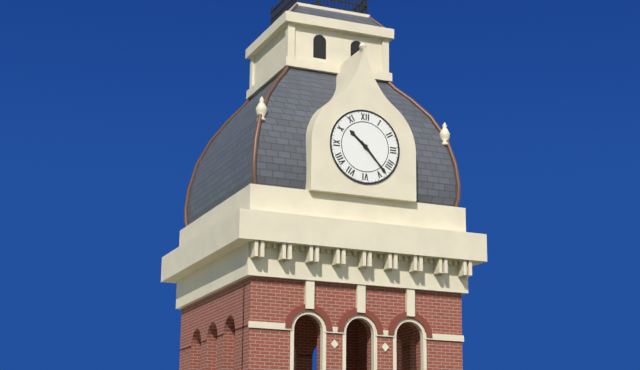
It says 10:23
